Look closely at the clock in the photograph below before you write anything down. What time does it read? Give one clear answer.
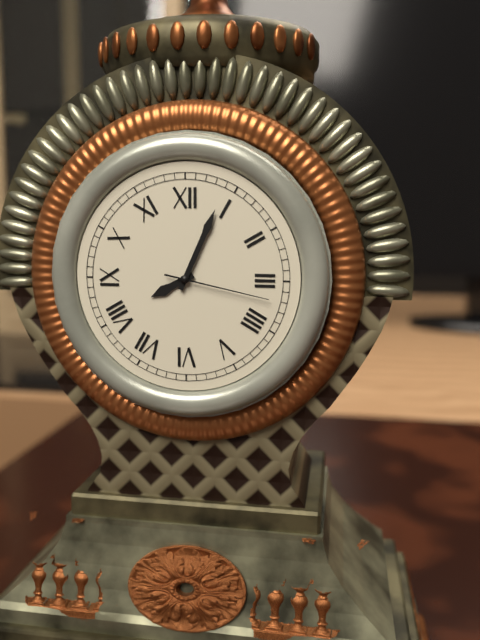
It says 8:04:17
